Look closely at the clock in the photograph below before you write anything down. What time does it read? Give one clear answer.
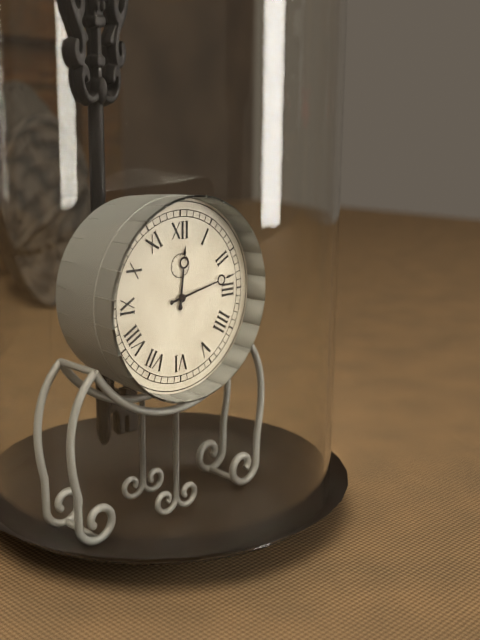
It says 12:13
